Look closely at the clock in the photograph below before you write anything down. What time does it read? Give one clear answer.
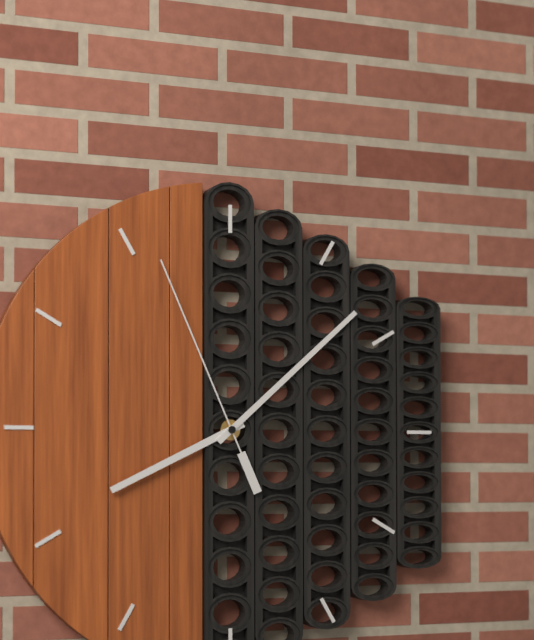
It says 8:08:56
